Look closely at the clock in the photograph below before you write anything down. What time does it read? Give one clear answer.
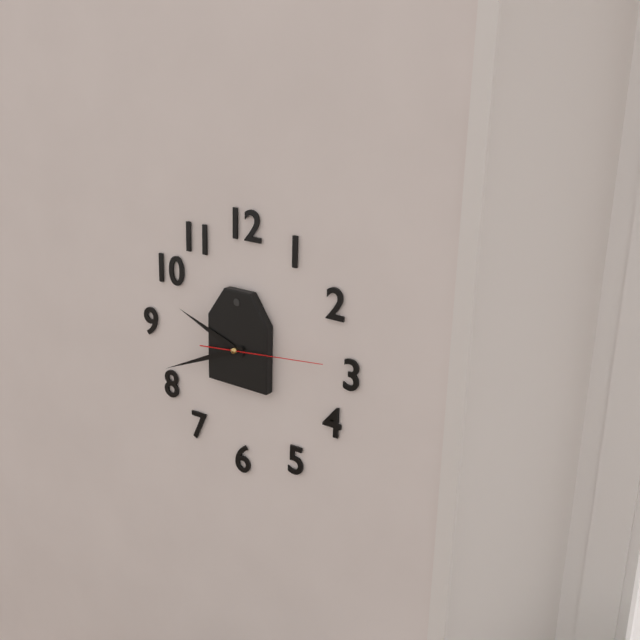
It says 9:41:14
